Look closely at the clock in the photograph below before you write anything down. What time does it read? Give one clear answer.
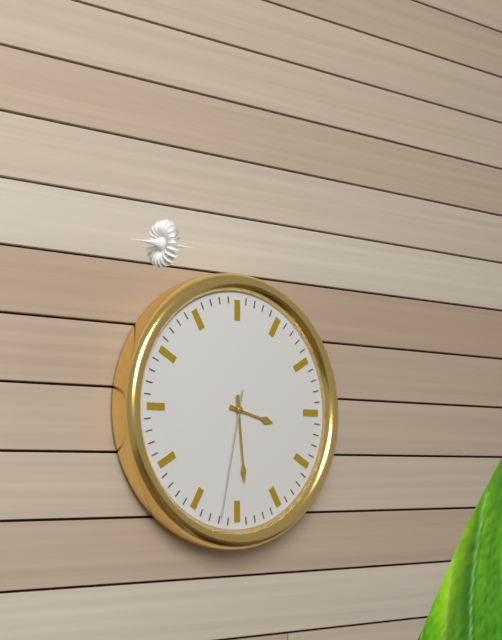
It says 3:29:32
